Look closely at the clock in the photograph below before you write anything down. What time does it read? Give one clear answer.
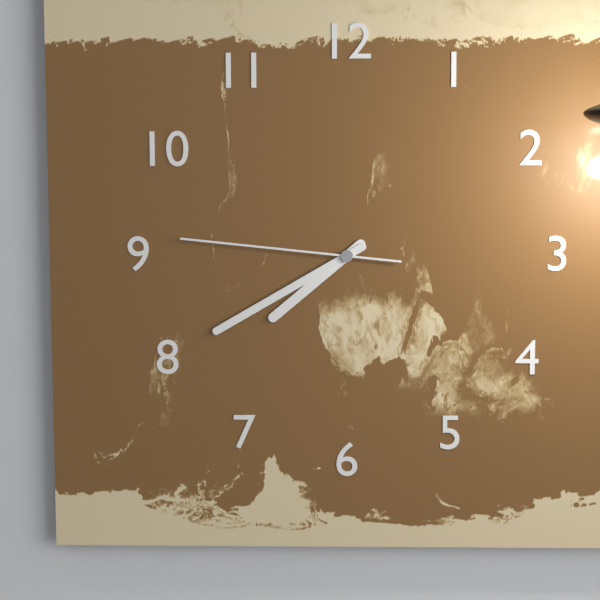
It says 7:40:46
